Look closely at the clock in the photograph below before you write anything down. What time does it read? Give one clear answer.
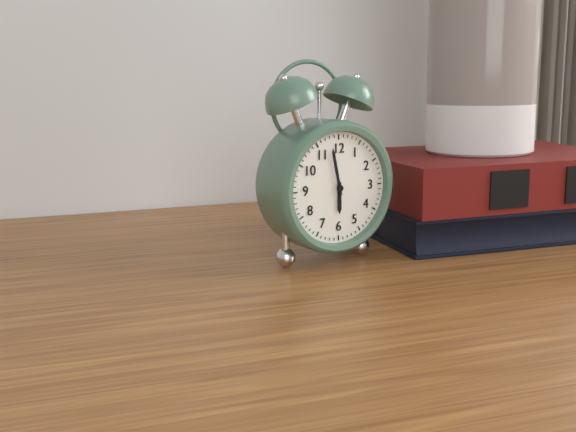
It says 5:58
